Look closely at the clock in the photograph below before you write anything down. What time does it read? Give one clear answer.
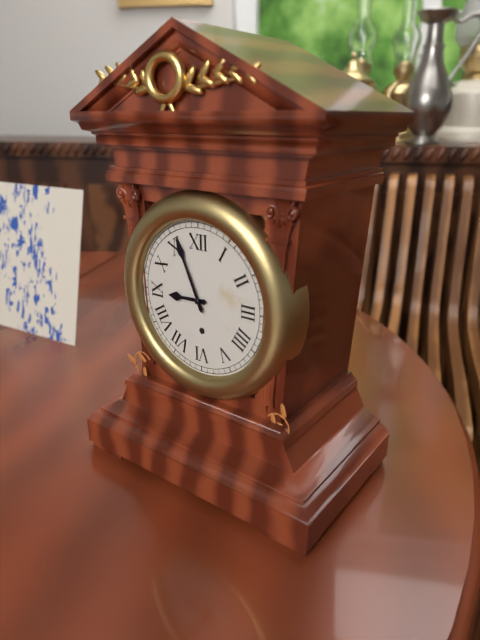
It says 8:56
